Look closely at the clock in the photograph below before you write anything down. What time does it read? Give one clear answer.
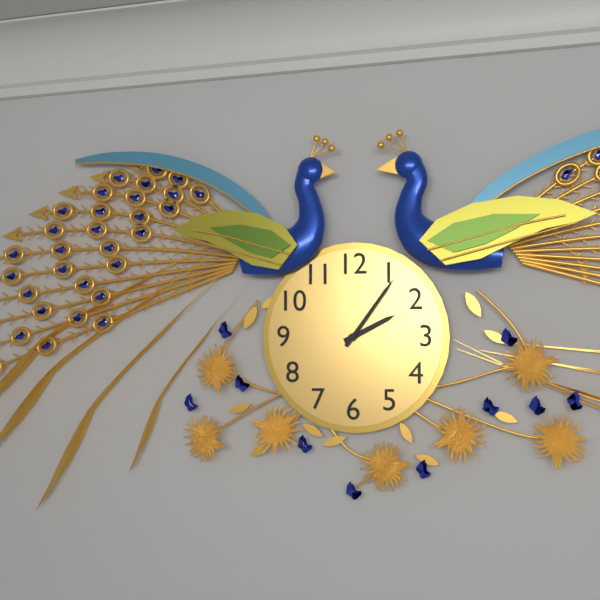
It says 2:06
